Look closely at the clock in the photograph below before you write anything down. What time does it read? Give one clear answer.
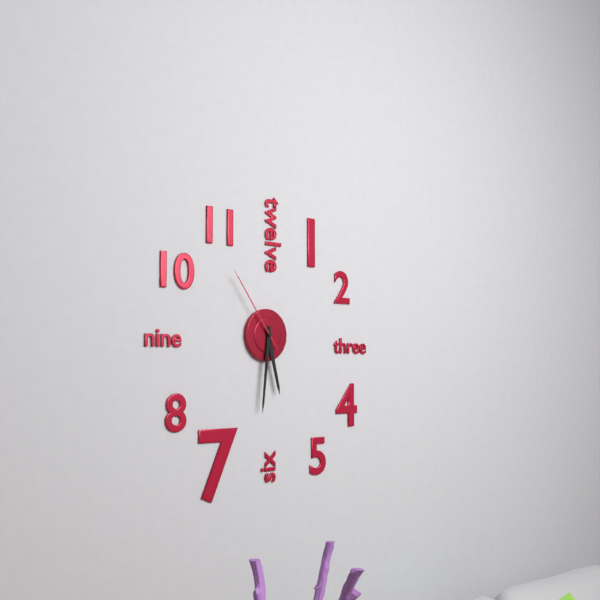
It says 5:31:54
